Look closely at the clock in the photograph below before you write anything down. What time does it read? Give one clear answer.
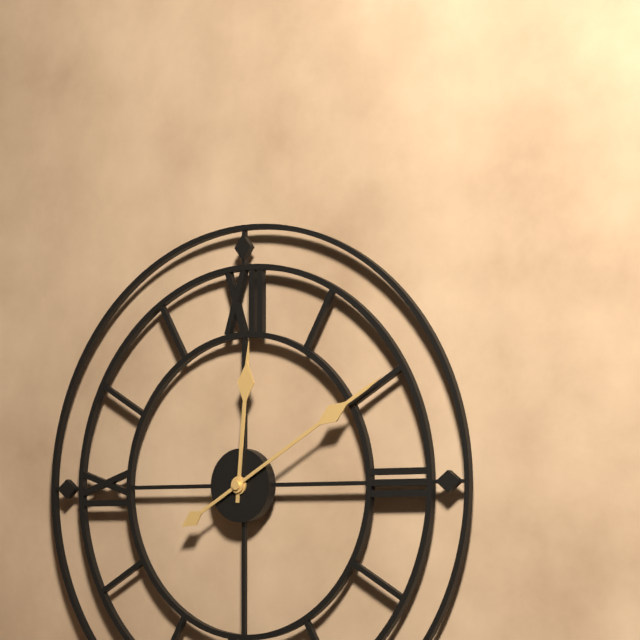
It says 12:10
